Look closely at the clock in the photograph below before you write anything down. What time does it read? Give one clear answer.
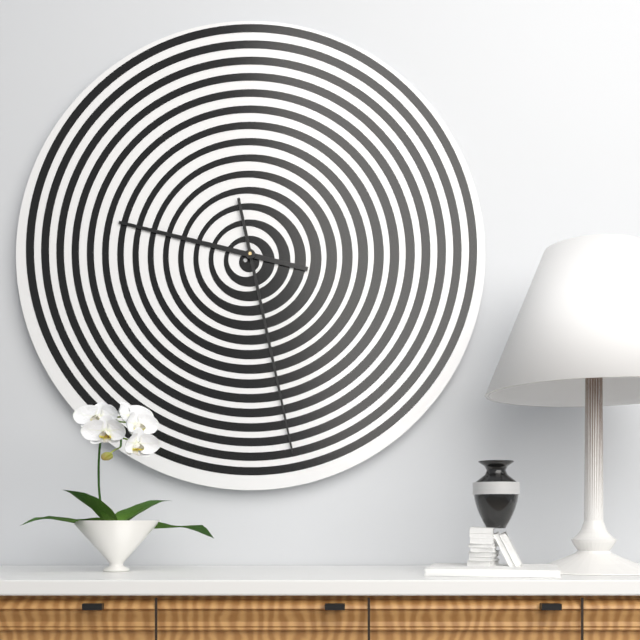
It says 9:28
